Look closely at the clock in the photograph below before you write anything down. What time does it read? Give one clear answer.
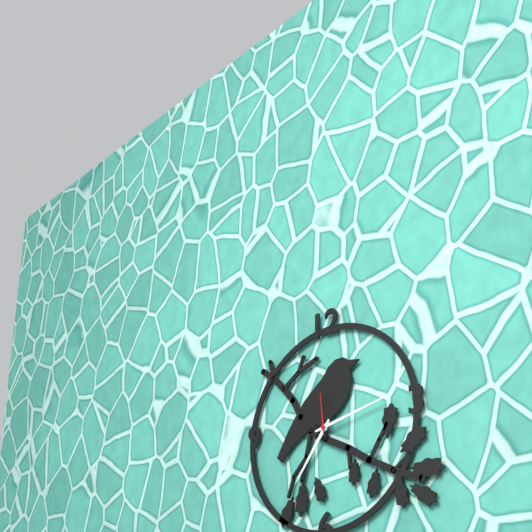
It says 7:13
